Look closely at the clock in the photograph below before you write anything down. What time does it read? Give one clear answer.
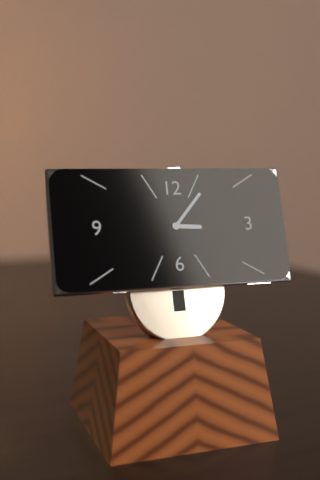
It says 3:07
